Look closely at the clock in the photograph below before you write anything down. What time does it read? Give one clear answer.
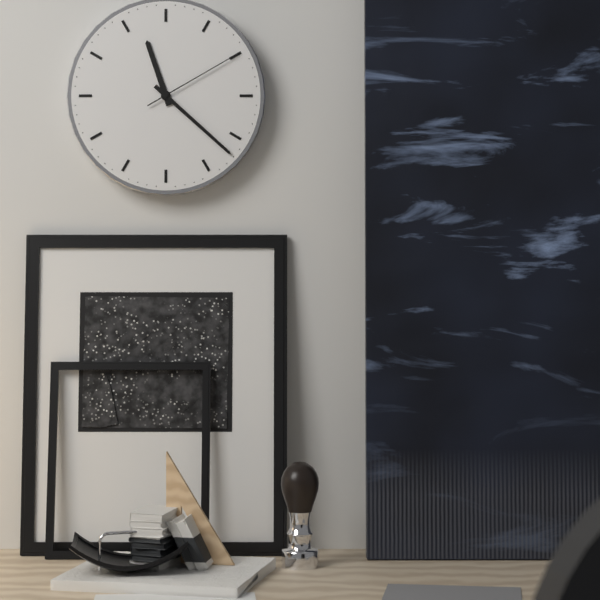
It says 11:22:10
